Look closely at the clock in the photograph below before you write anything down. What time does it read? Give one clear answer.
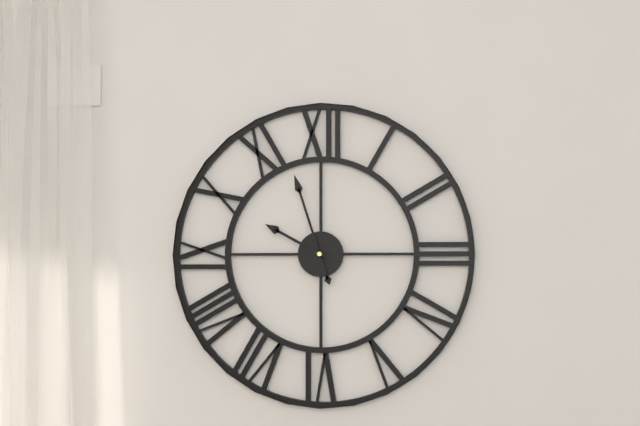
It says 9:57
